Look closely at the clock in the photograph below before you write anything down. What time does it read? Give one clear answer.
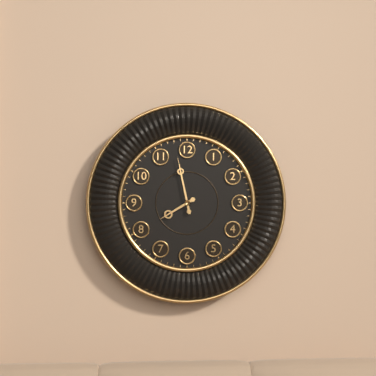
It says 7:58
